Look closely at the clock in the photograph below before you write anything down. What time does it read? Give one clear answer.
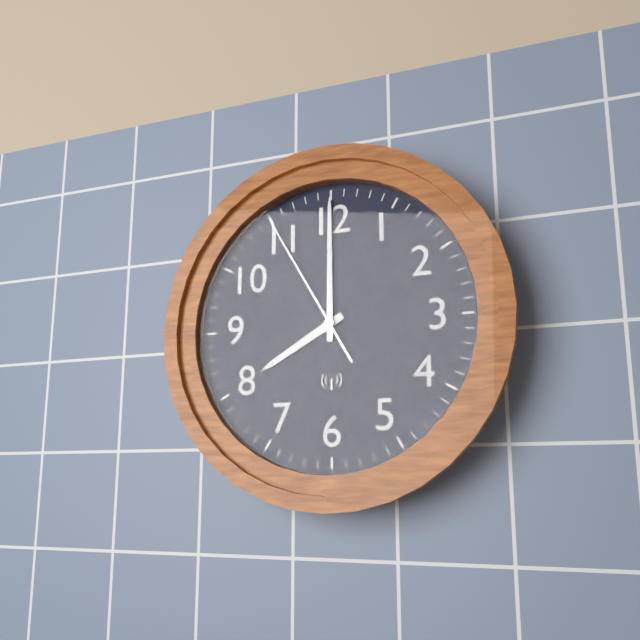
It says 8:00:55
